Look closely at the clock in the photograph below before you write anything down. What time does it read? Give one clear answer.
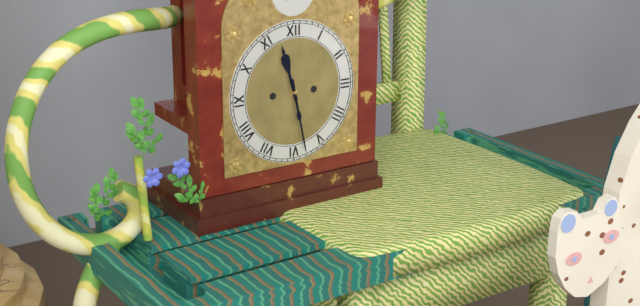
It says 11:28
